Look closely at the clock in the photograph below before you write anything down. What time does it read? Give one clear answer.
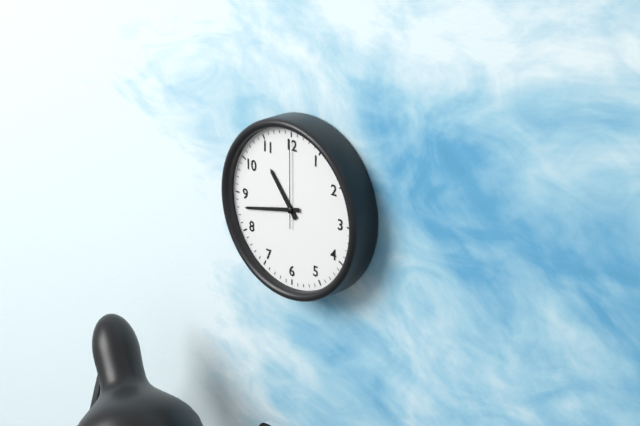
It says 10:43:00
